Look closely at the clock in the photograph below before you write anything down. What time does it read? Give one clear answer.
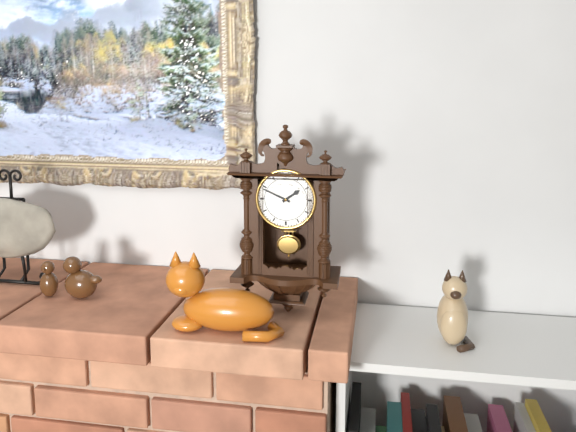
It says 1:49
